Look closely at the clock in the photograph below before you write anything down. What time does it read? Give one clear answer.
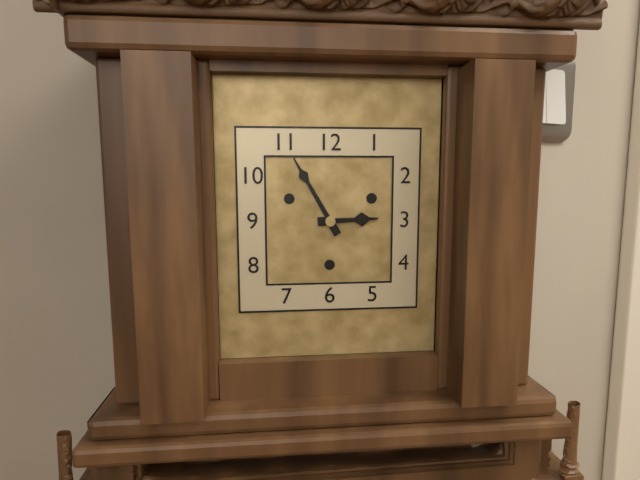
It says 2:55
